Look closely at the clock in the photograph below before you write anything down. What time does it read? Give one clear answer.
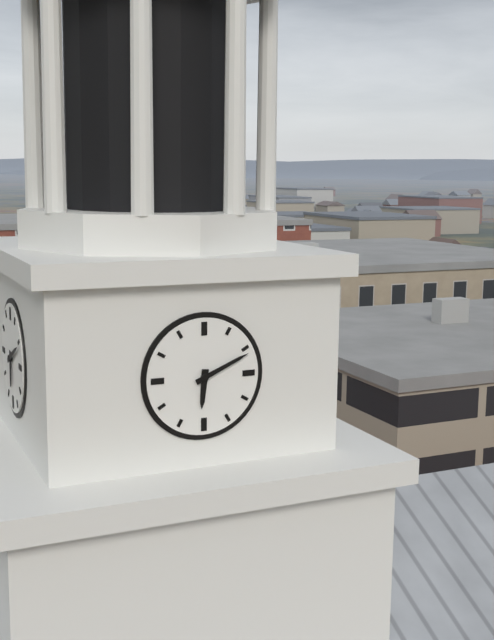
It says 6:11
